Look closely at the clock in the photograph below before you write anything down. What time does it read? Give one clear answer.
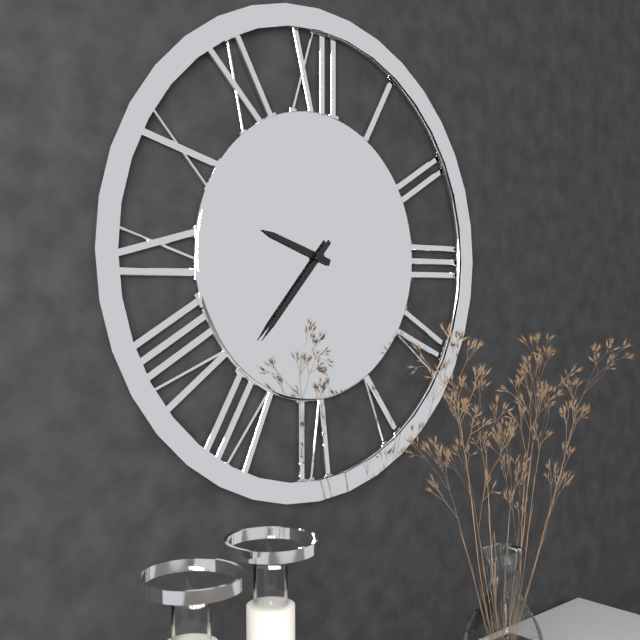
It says 9:37
